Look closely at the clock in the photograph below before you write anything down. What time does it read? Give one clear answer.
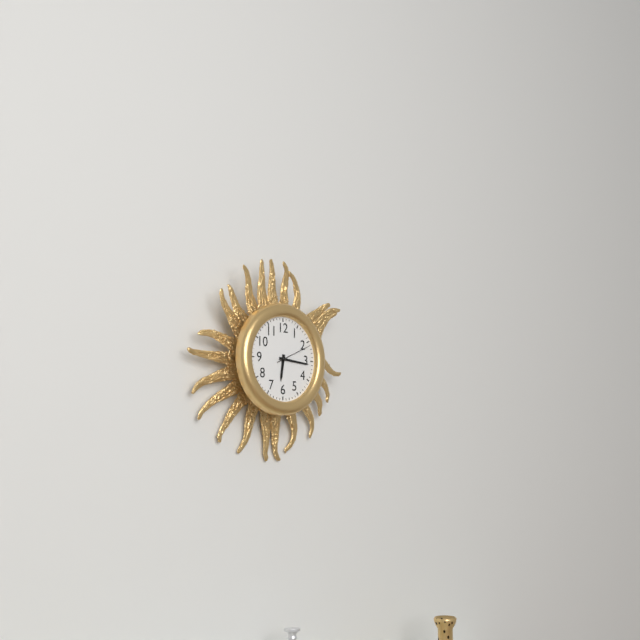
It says 6:16
